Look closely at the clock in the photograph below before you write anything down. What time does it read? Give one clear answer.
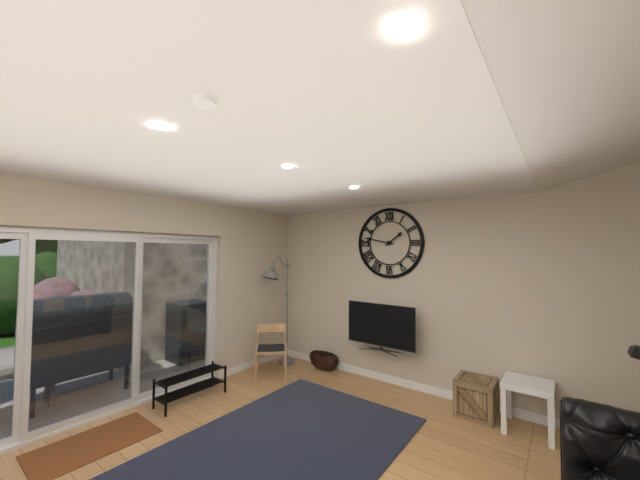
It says 1:47
